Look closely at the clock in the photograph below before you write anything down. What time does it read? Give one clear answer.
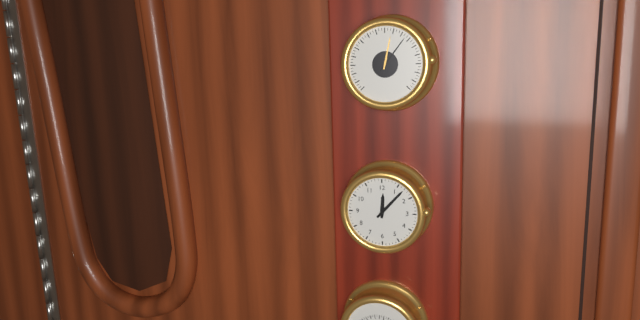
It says 12:07
